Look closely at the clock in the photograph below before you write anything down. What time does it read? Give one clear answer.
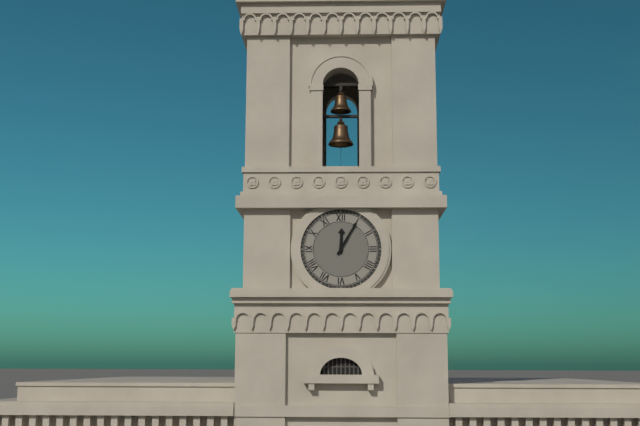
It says 12:05
